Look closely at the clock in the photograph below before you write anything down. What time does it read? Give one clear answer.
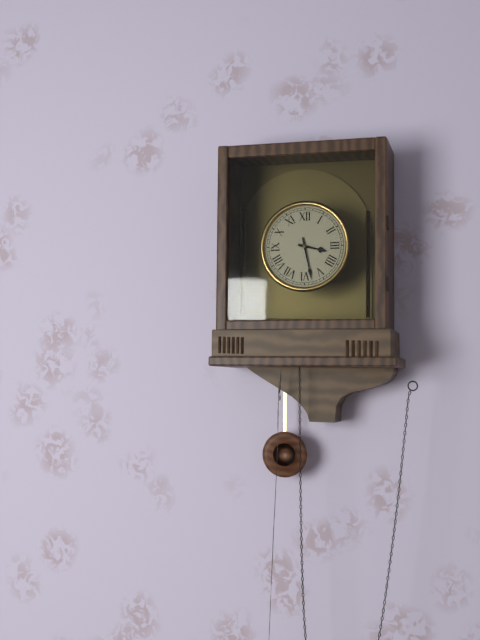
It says 3:28
